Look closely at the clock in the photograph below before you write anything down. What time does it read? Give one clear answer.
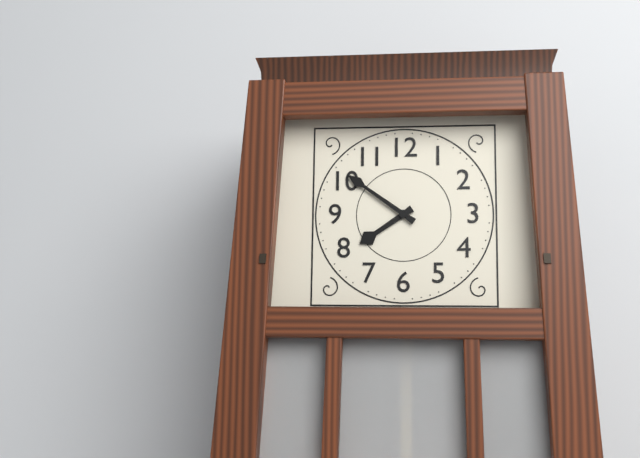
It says 7:51
